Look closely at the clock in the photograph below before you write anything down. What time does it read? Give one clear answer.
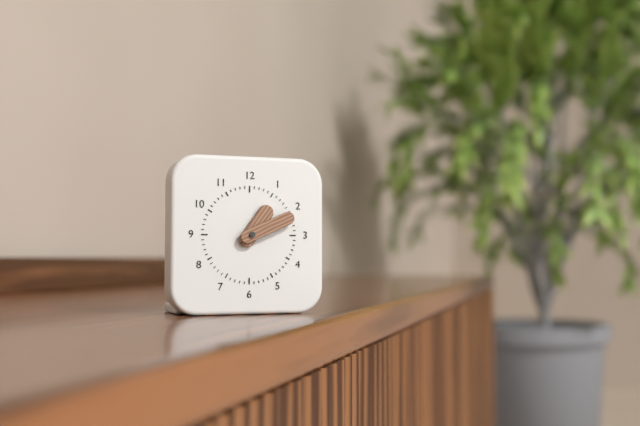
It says 1:11
